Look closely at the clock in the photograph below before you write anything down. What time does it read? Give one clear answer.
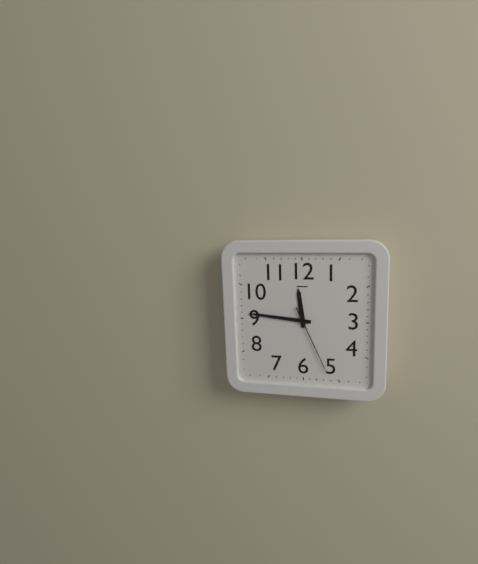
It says 11:46:26
